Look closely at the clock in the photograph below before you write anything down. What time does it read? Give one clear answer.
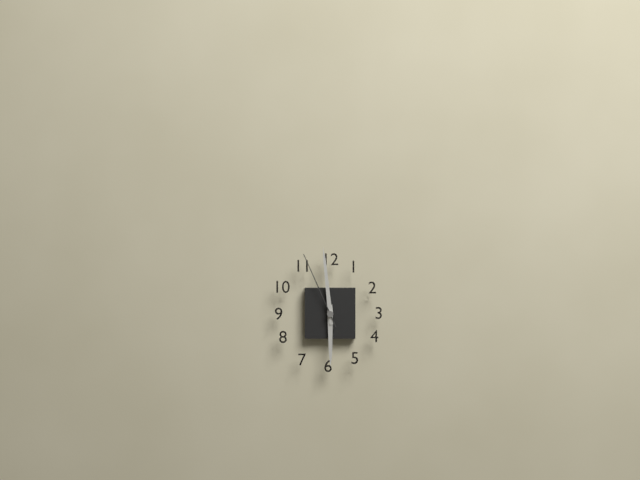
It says 5:59:56
